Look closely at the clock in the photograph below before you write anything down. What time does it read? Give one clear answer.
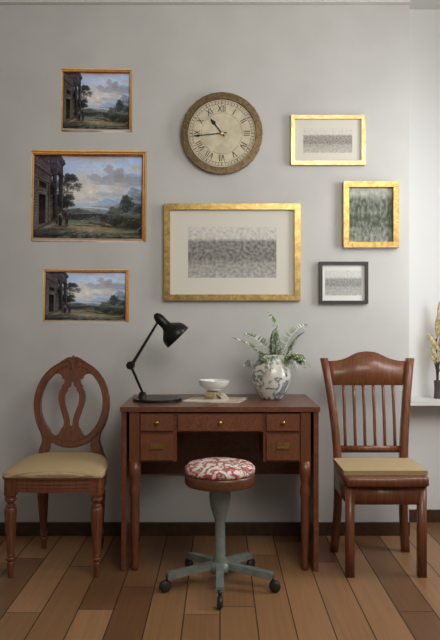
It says 10:44
